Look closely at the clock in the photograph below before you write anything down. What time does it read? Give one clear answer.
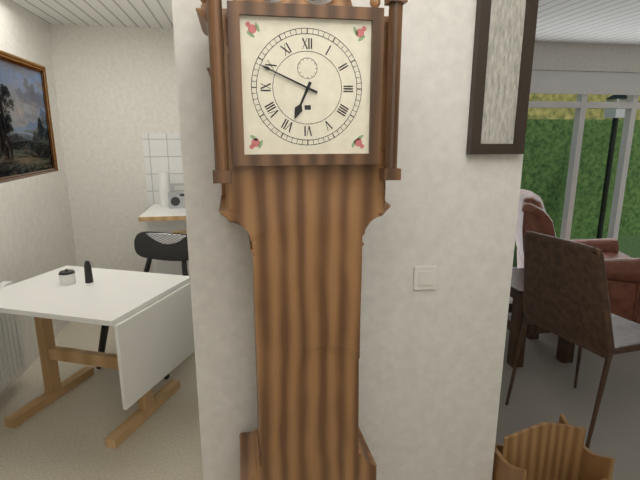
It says 6:49
